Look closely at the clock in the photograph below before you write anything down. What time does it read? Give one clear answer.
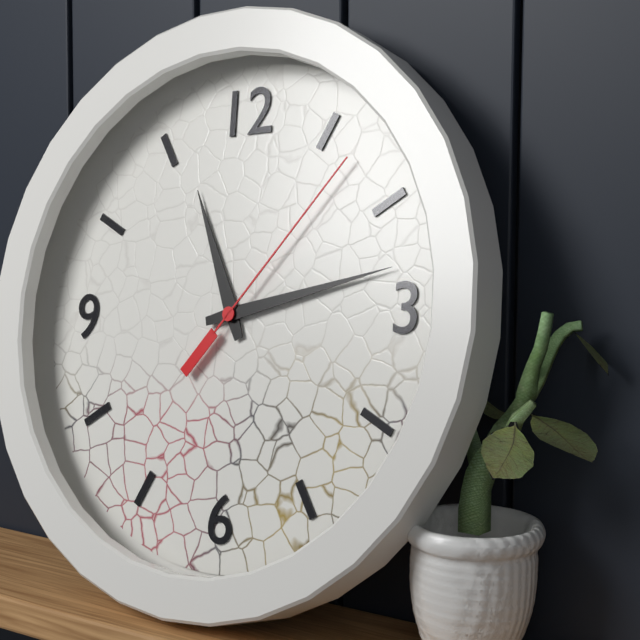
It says 11:13:07
